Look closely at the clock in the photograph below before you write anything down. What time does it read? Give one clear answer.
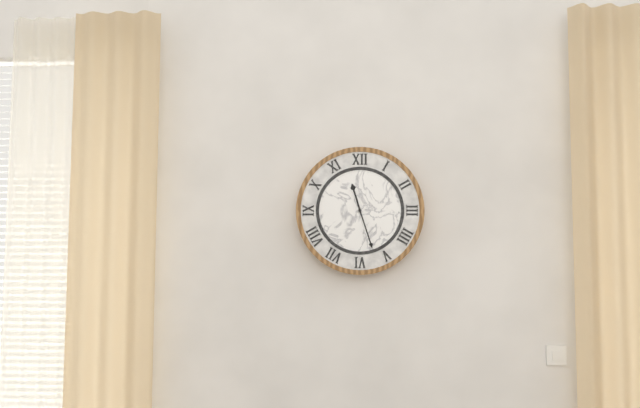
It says 11:27
